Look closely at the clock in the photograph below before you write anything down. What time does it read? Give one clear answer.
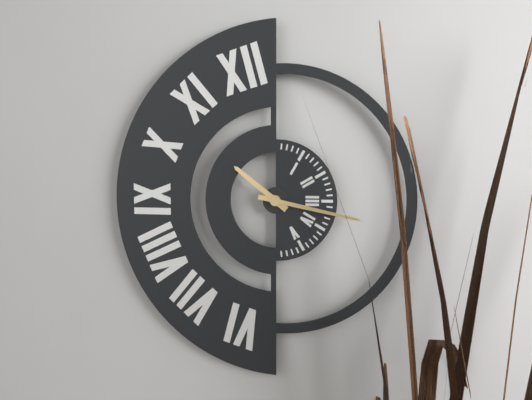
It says 10:17
